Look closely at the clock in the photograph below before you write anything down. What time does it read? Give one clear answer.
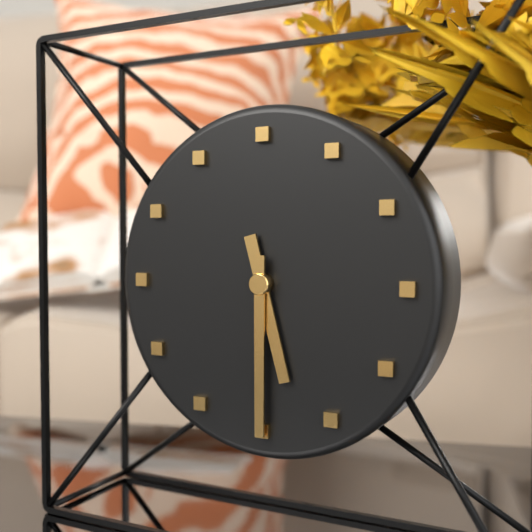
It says 5:30
